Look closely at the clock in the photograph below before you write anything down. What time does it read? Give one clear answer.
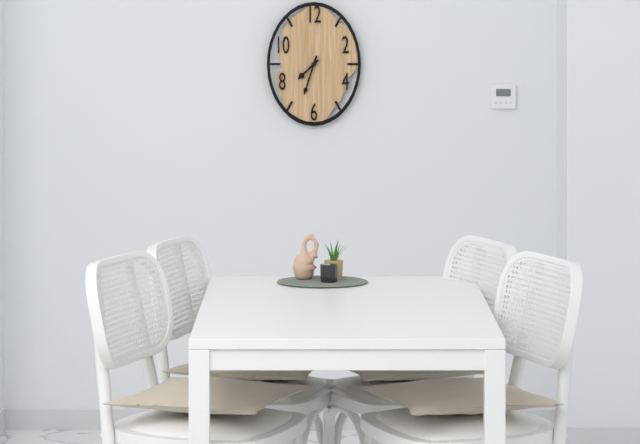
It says 7:33
